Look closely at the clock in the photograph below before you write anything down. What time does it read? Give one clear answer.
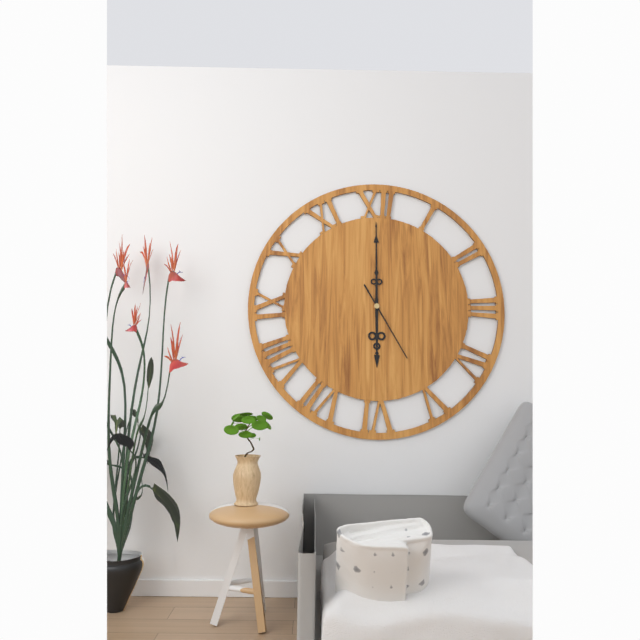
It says 6:00:25
